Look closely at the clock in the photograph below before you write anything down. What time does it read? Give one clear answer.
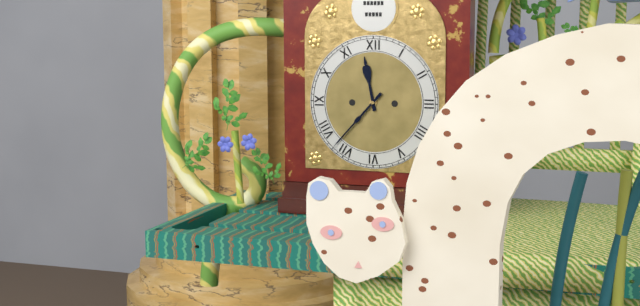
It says 11:37
